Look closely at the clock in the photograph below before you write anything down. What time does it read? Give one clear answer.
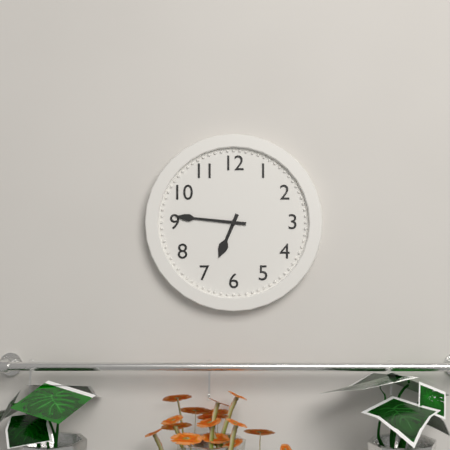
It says 6:46
